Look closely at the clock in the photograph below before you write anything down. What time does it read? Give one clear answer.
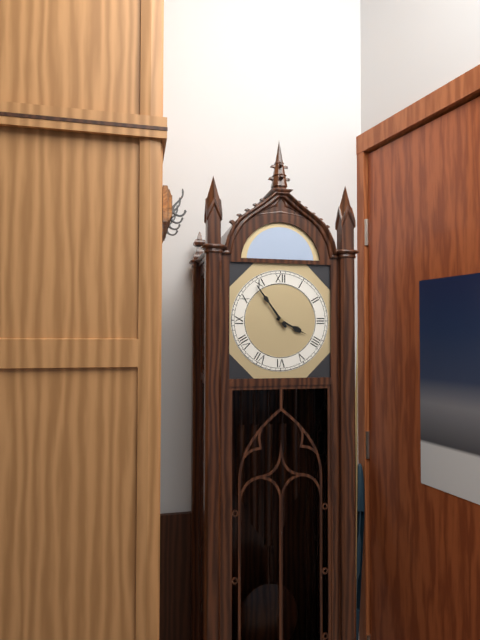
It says 3:54
